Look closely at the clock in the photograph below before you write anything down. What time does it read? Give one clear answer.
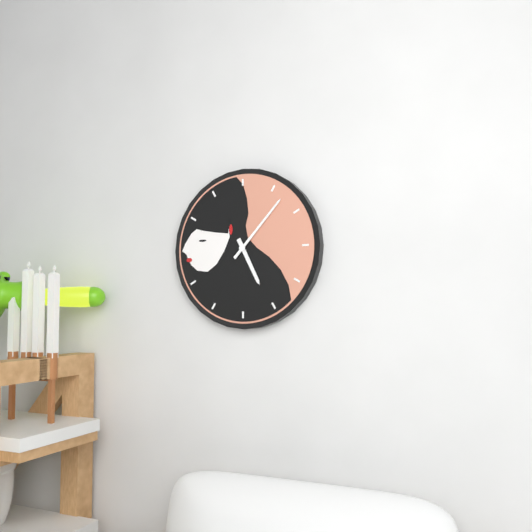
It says 5:07
